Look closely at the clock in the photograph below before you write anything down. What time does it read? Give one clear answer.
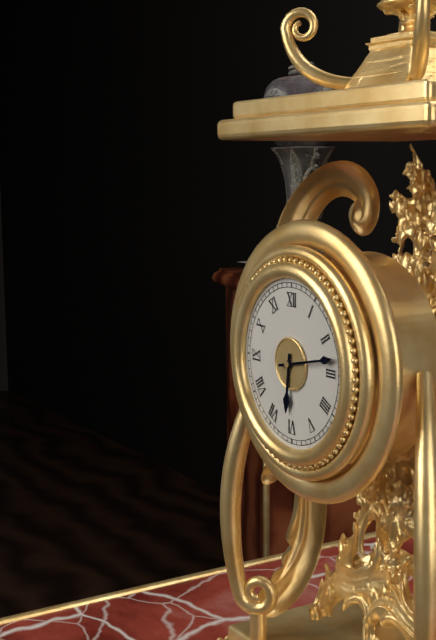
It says 6:13
